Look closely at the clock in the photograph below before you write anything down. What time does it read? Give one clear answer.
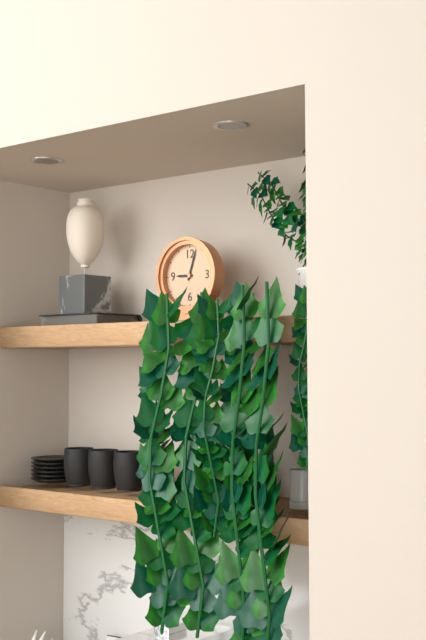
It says 9:03
